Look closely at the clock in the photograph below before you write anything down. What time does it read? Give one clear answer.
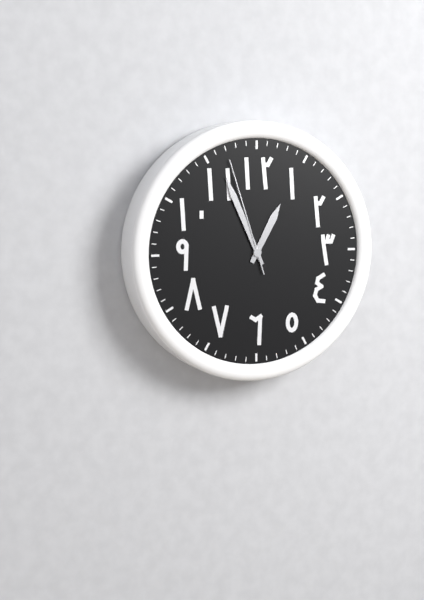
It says 12:56:57
